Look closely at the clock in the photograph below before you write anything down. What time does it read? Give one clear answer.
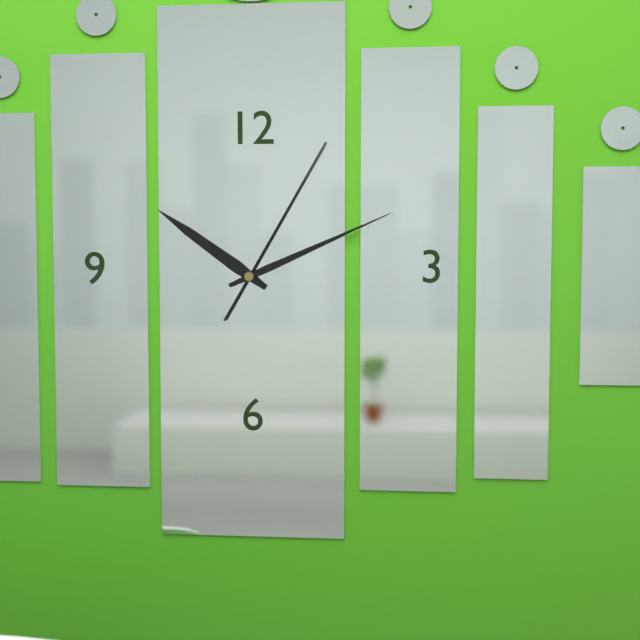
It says 10:11:05
